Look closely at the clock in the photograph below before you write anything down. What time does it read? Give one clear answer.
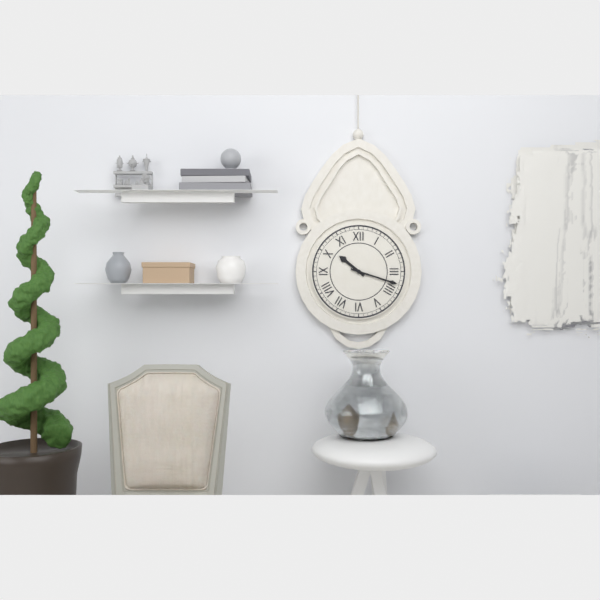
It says 10:18
